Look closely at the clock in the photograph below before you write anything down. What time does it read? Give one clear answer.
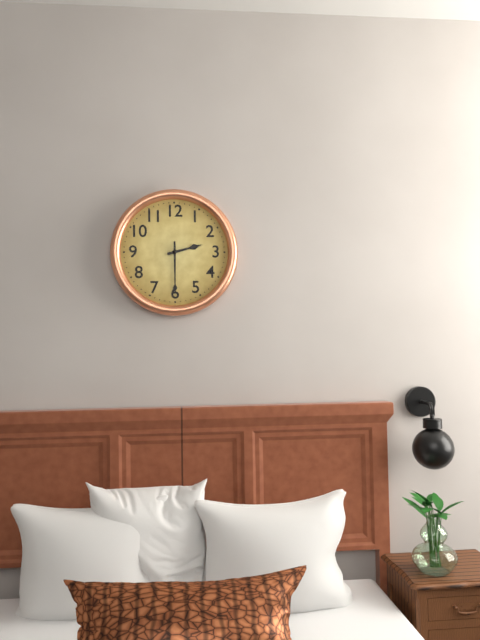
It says 2:30
